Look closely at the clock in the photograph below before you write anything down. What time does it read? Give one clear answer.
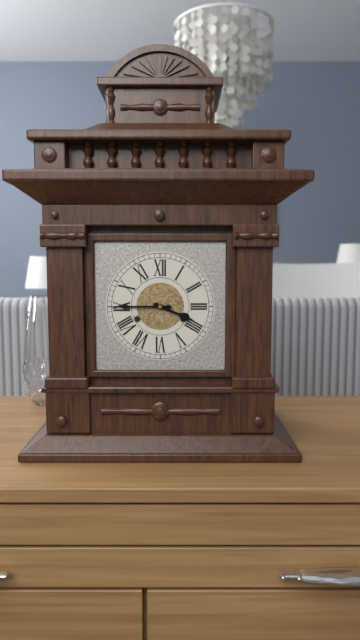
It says 3:45
